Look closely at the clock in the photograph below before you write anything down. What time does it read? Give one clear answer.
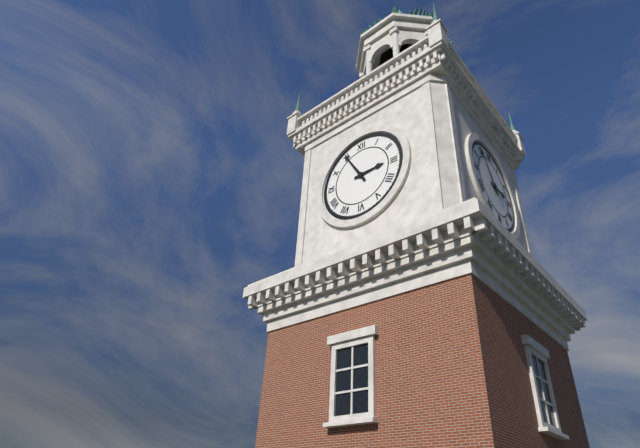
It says 2:55
